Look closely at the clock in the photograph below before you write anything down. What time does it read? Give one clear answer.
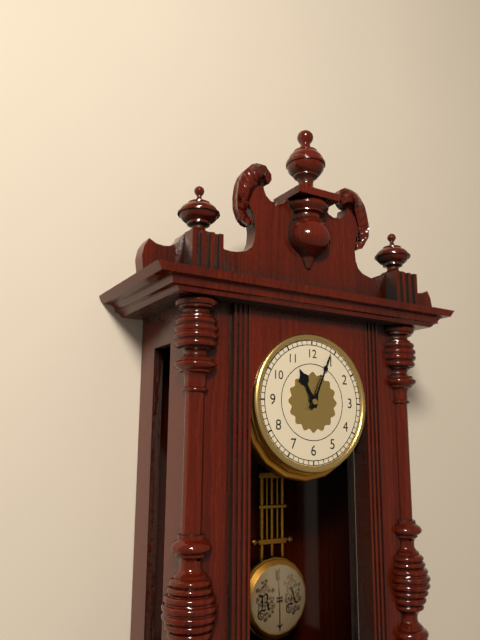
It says 11:04
